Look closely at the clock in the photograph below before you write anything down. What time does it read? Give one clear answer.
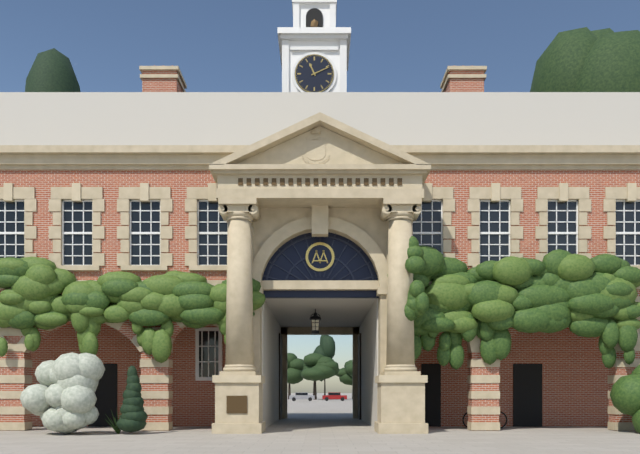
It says 11:11
